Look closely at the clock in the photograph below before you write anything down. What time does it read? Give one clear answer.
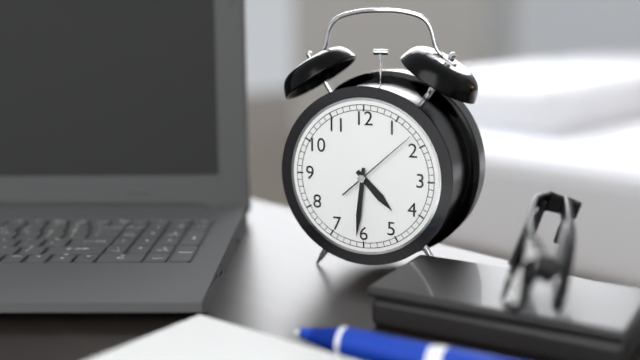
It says 4:31:08
